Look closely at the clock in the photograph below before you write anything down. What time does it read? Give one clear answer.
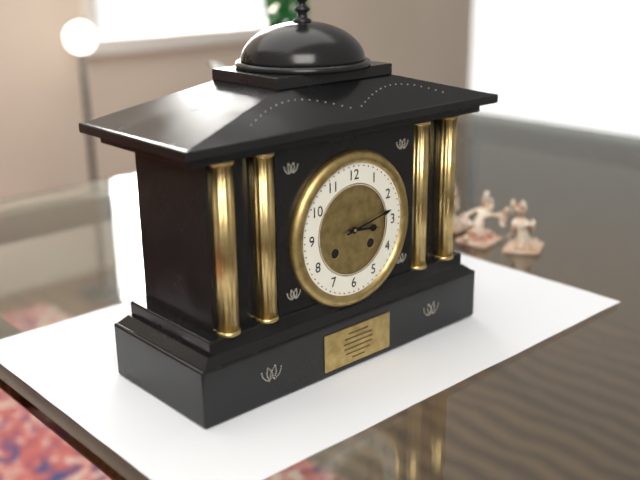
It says 3:13
